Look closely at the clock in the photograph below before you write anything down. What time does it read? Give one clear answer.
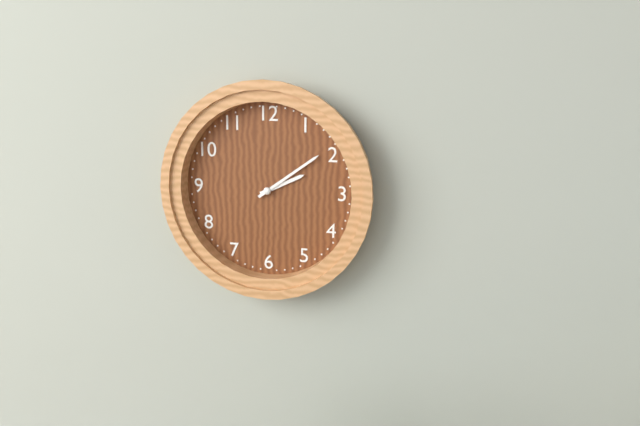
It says 2:09
